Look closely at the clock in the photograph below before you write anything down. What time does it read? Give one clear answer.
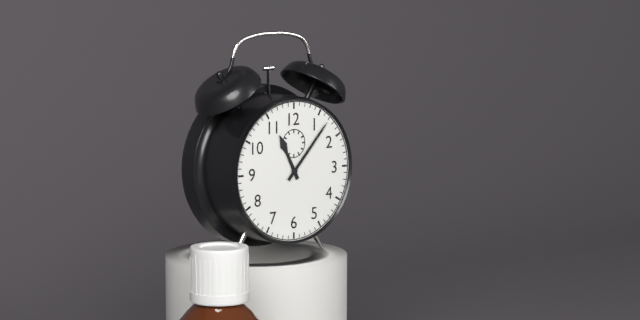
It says 11:07
